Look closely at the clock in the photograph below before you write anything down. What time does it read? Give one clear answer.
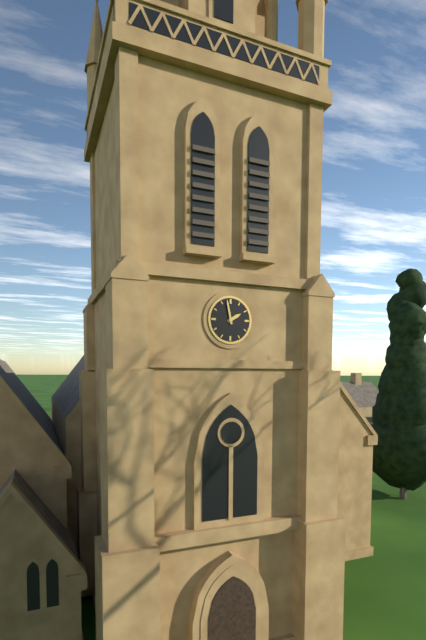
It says 1:58
